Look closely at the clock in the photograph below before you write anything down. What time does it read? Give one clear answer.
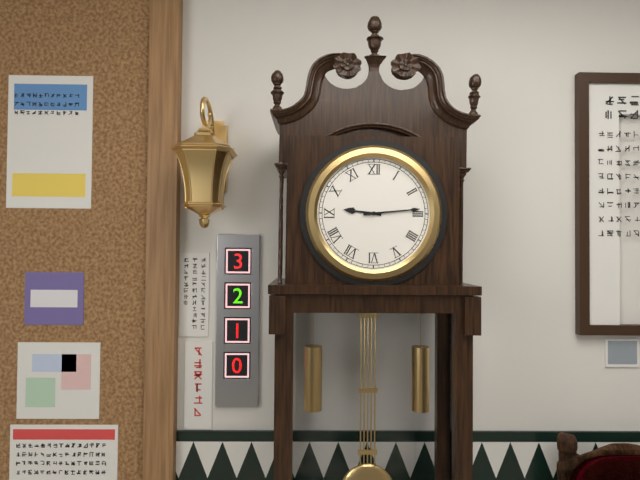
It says 9:14
